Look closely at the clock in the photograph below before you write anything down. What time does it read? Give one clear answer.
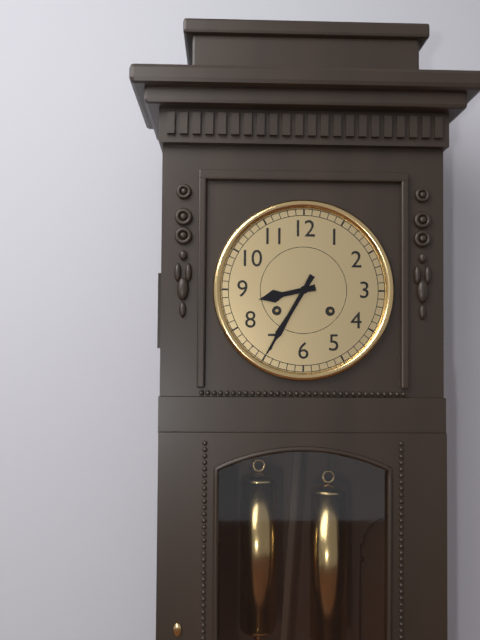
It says 8:35
